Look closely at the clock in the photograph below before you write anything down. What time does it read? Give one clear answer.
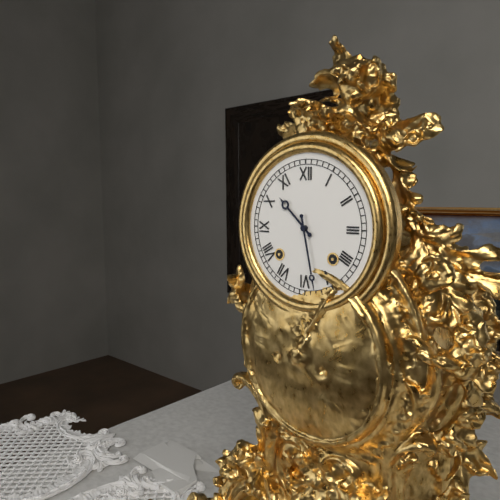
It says 10:28
